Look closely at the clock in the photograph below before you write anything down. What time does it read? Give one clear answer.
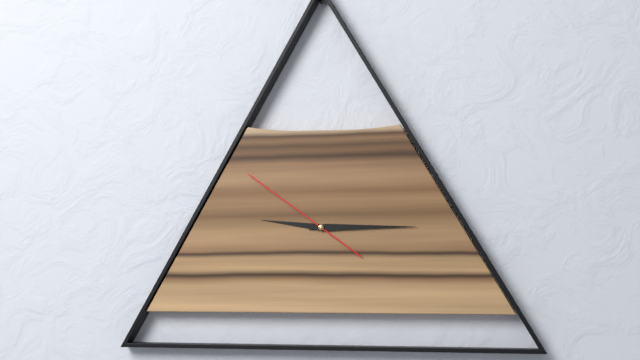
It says 9:15:51
